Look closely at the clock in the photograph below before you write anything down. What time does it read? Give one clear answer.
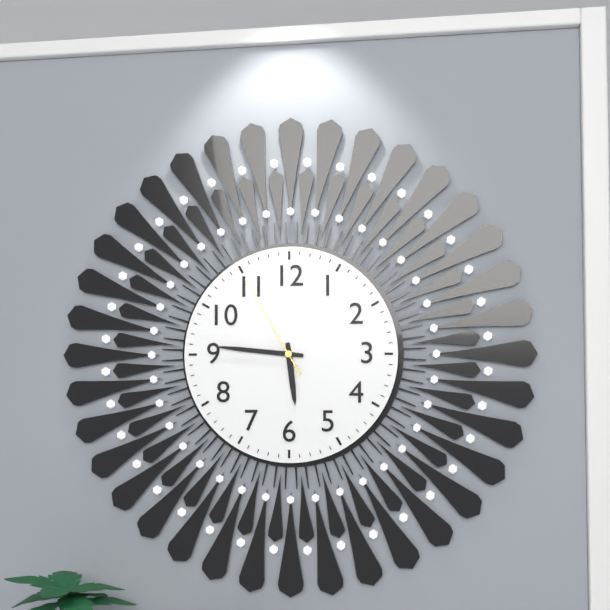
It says 5:46:55
